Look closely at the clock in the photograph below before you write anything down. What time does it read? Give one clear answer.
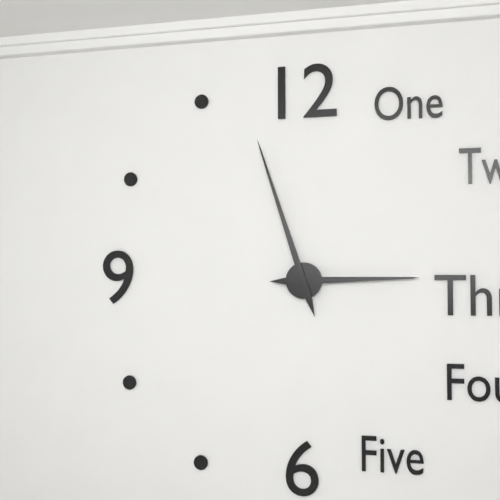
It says 2:57
